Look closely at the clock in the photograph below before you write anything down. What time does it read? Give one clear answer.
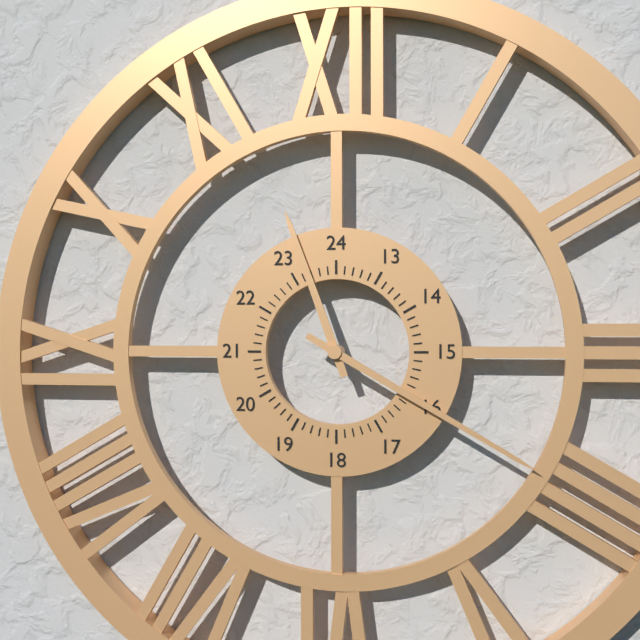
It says 11:20
